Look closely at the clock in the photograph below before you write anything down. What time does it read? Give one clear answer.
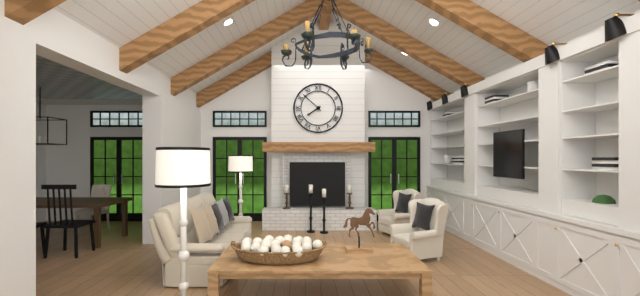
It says 7:52
